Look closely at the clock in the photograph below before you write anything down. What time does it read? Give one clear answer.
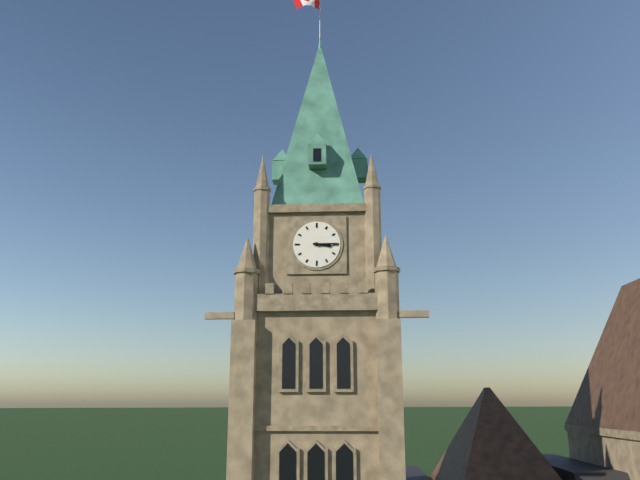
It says 3:15
